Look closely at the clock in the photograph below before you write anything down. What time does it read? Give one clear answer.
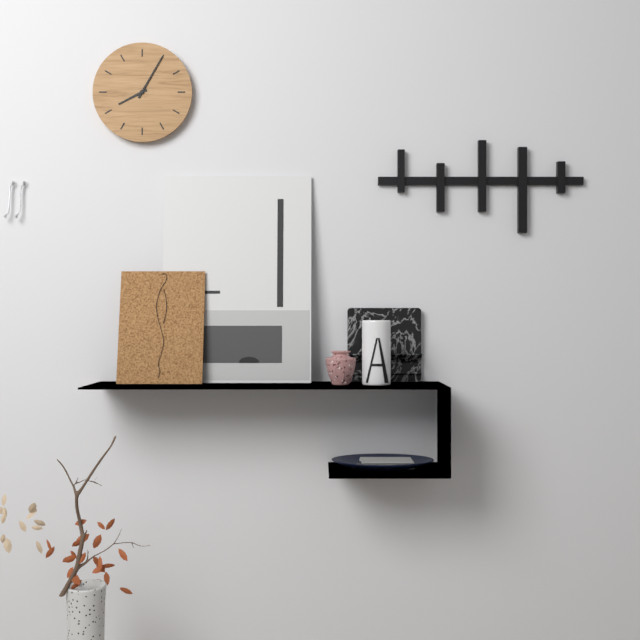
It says 8:05
